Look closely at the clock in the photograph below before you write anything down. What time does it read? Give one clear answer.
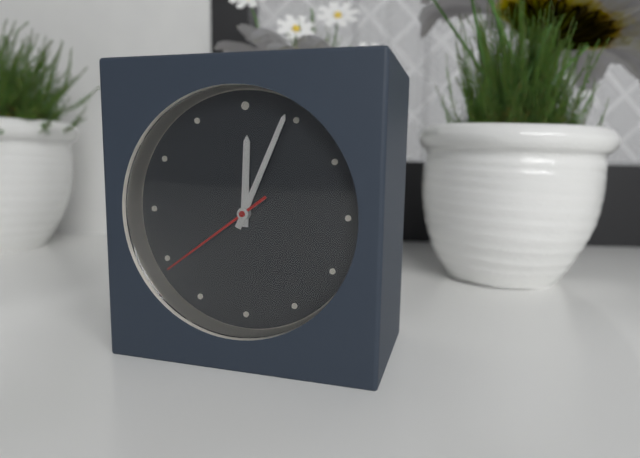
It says 12:04:39
